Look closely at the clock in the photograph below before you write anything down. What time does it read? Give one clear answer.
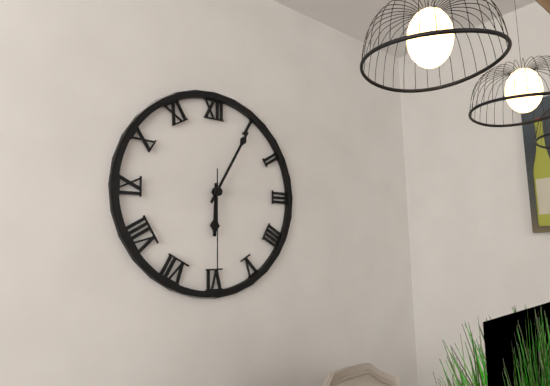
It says 6:05:30
